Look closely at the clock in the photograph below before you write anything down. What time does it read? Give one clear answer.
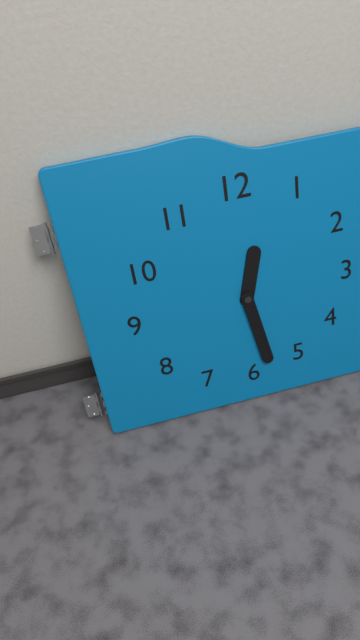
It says 12:28
